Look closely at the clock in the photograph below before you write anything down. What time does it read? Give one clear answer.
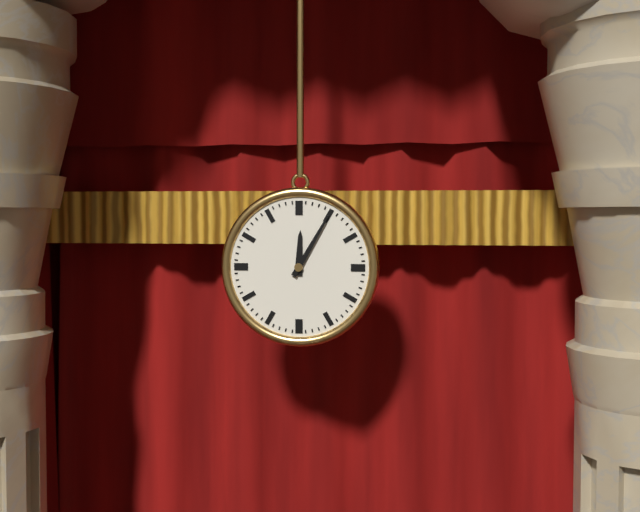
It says 12:05
